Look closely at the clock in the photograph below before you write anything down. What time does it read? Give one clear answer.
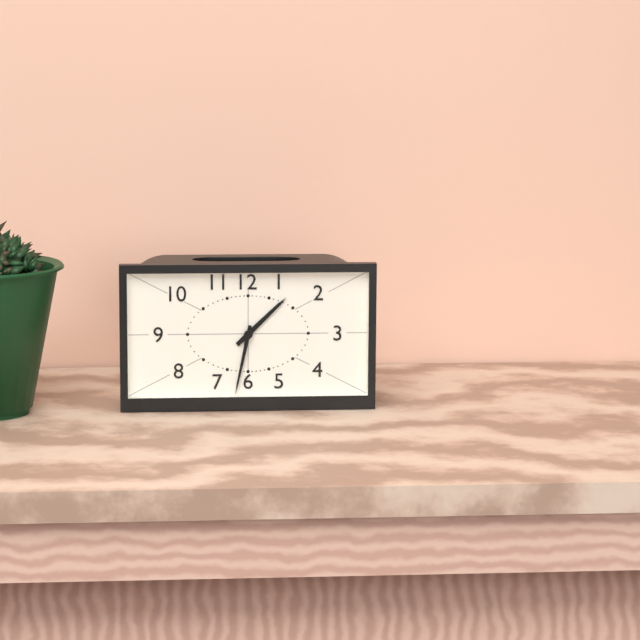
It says 1:32
